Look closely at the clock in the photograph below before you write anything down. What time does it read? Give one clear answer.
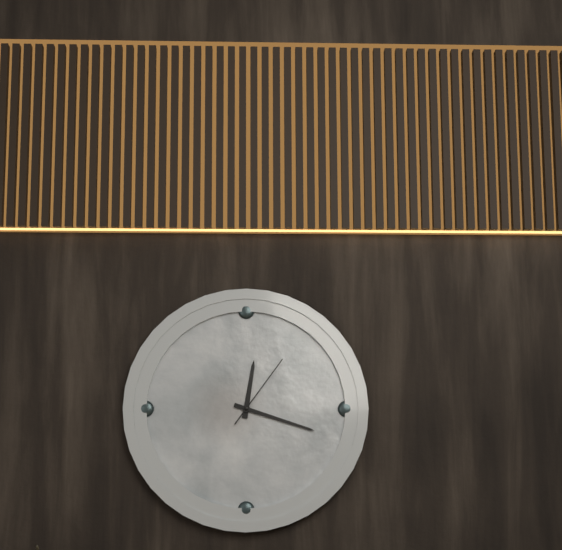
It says 12:18:06
